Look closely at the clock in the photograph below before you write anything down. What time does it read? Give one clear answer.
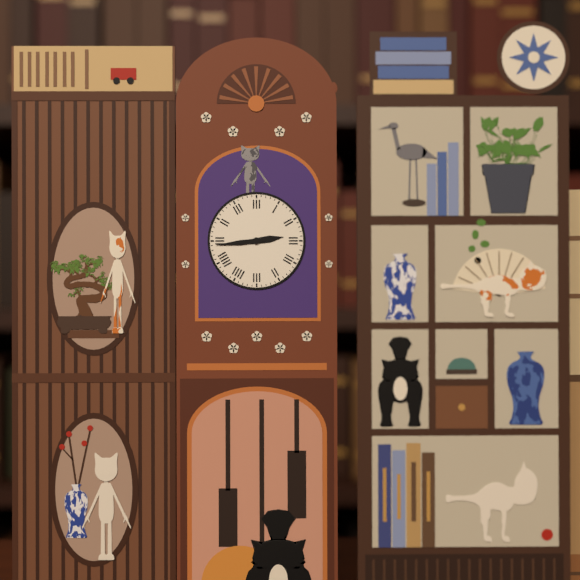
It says 2:44
